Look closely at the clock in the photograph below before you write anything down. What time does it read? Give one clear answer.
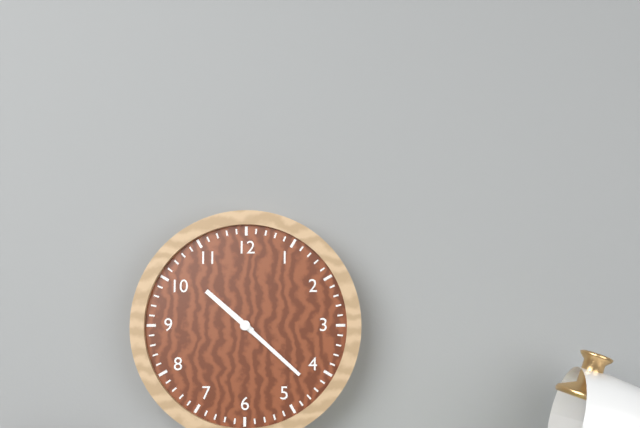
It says 10:22
